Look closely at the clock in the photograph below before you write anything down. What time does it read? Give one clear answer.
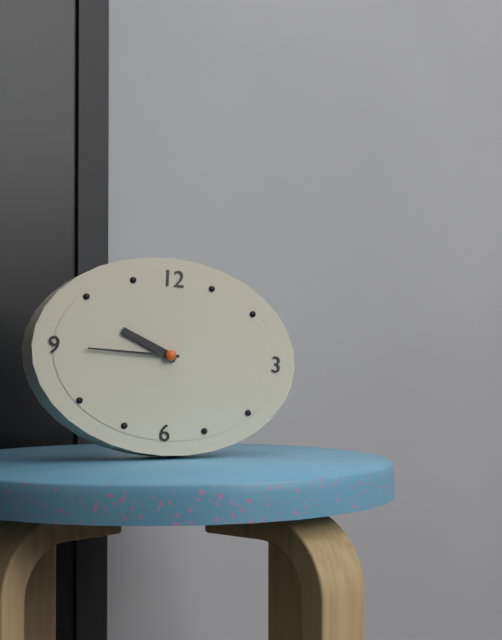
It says 9:45
